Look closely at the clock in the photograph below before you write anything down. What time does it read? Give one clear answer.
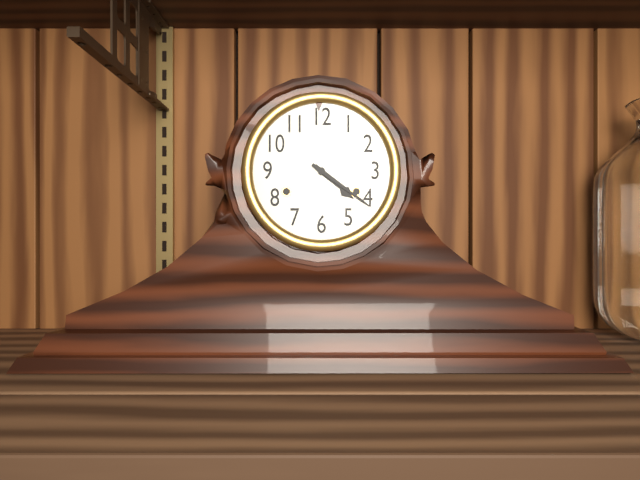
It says 4:21
